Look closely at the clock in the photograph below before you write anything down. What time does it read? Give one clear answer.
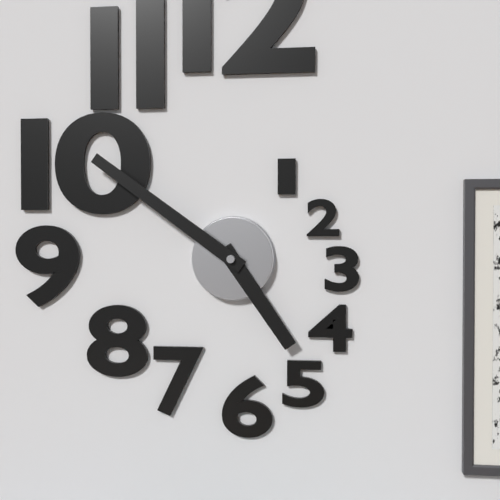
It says 4:51
